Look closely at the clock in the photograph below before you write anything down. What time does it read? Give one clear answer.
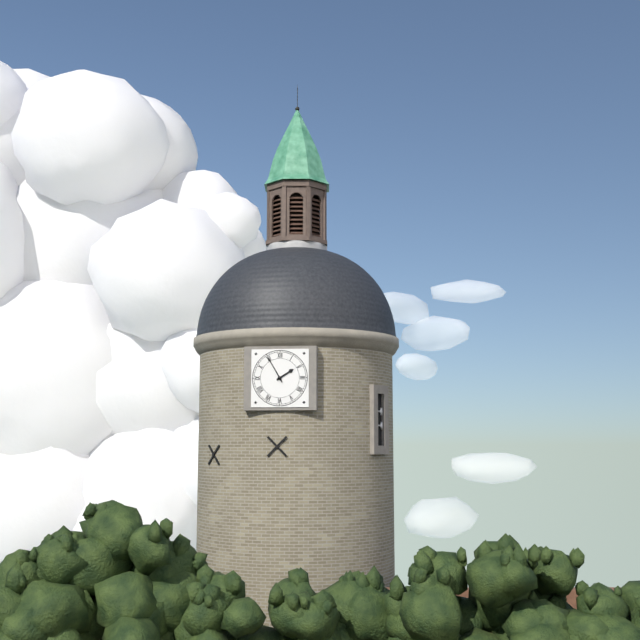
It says 1:55
